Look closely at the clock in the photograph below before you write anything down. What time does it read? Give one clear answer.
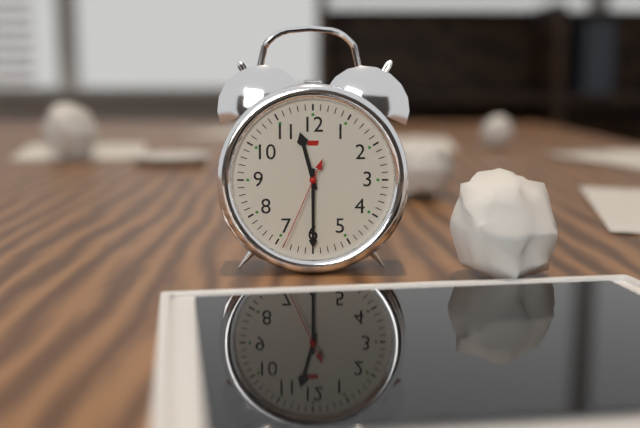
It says 11:30:34
